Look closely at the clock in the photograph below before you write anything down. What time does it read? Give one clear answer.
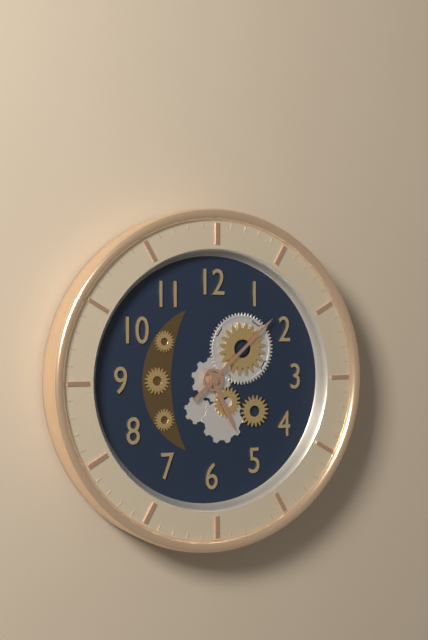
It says 5:08
